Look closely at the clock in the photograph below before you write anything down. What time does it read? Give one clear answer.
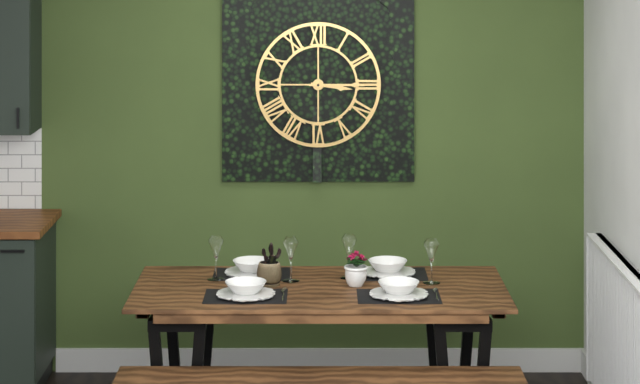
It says 3:15
